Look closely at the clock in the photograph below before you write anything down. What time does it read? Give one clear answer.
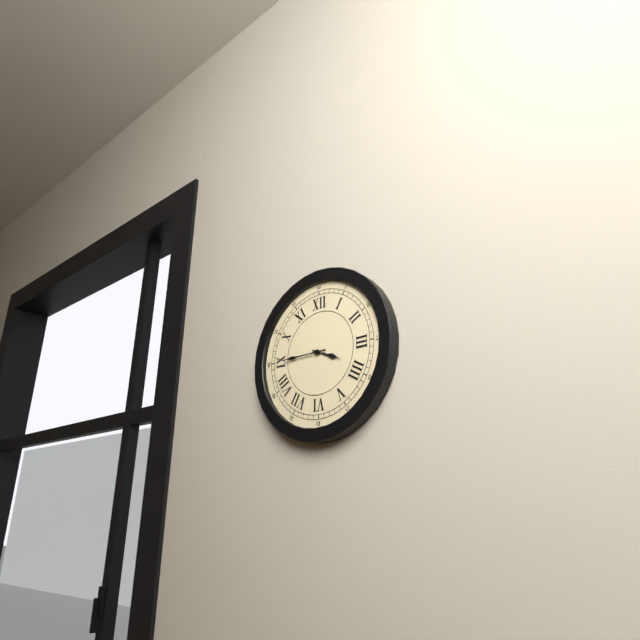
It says 3:45
